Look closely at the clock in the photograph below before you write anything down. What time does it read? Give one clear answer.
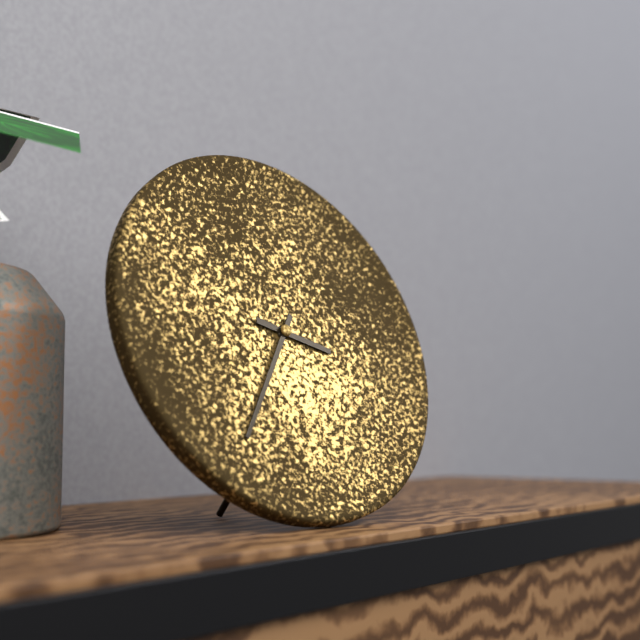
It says 3:36
